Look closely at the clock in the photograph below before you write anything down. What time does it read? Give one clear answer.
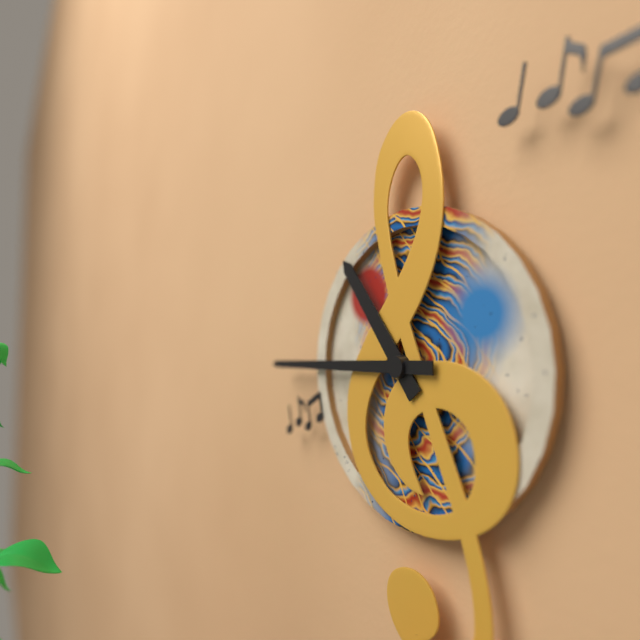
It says 10:45
